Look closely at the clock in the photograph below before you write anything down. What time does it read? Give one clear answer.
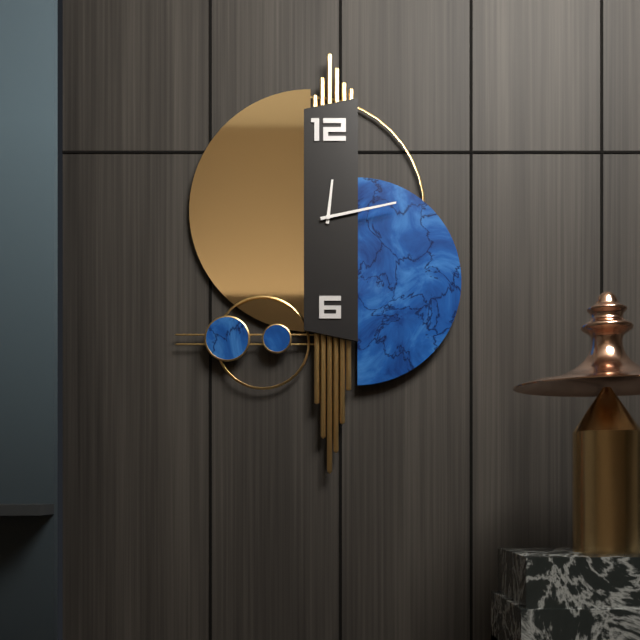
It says 12:13
